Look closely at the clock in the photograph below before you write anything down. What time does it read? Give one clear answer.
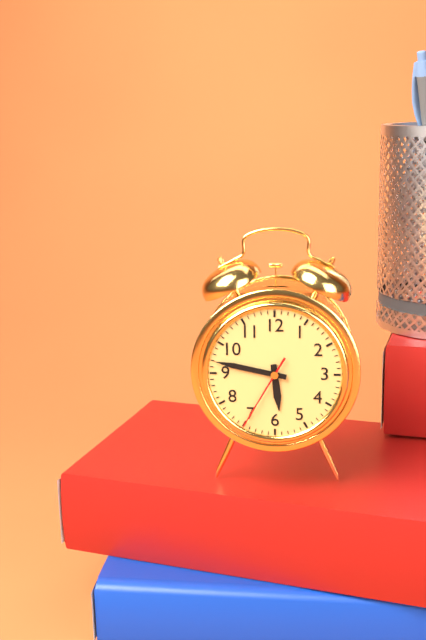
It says 5:47:35
